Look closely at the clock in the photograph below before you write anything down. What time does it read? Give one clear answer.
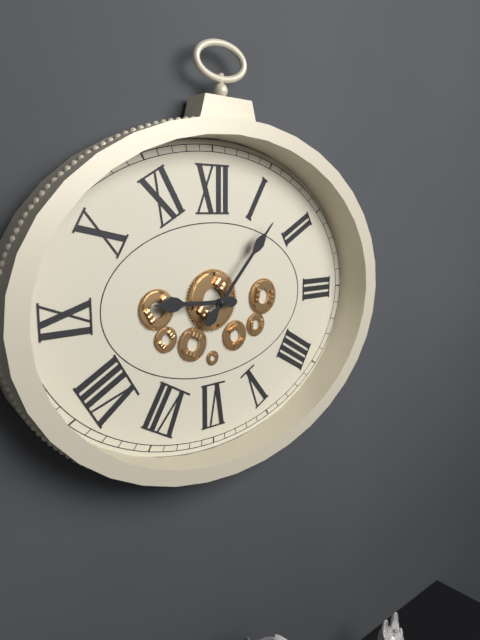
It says 9:07
